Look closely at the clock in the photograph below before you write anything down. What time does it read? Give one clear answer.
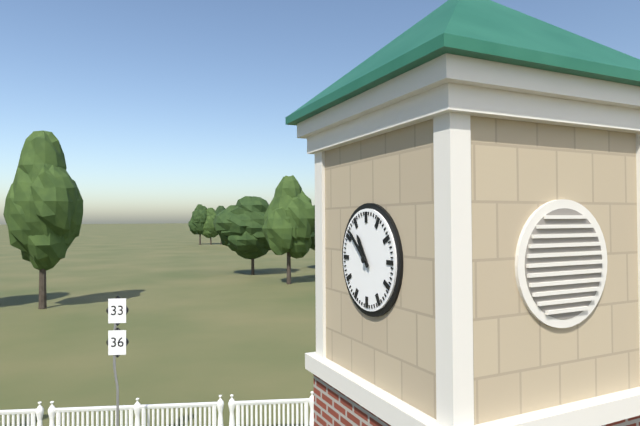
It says 10:52
